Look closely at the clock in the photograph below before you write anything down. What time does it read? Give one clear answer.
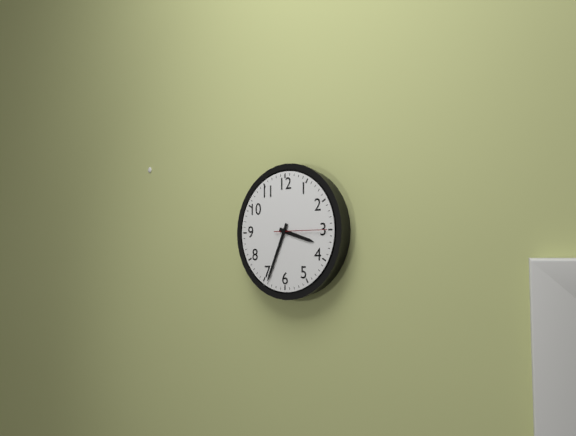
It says 3:34:15
